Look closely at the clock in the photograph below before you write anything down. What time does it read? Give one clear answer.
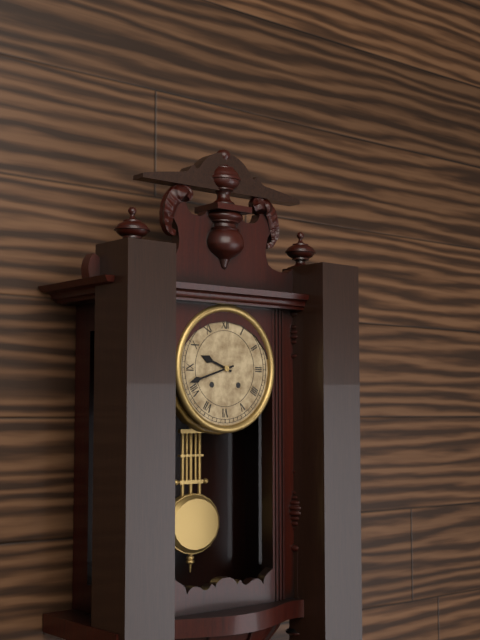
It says 9:42
